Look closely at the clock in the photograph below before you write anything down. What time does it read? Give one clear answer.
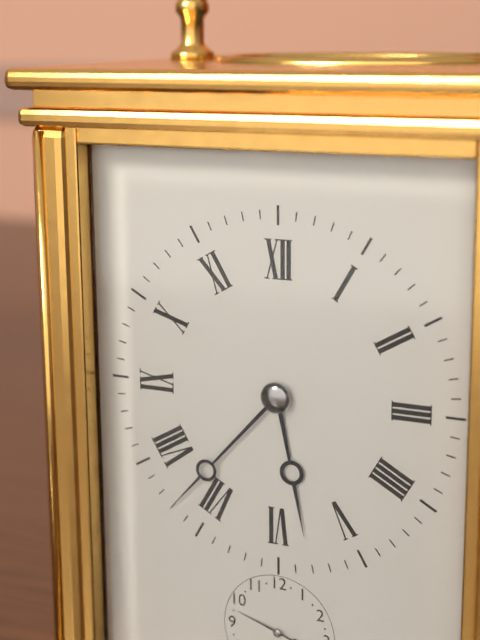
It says 5:37
